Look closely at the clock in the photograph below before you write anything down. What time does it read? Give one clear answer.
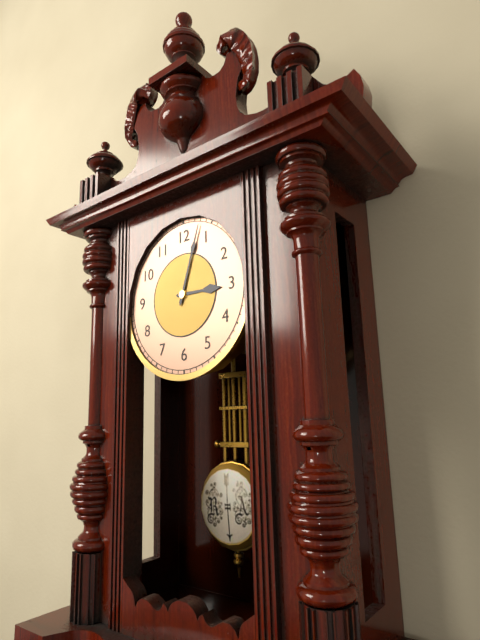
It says 3:03
